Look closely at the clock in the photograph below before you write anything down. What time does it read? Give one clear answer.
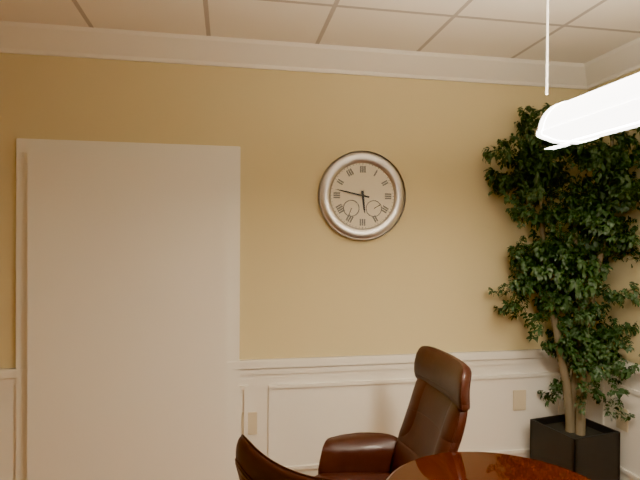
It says 5:47
